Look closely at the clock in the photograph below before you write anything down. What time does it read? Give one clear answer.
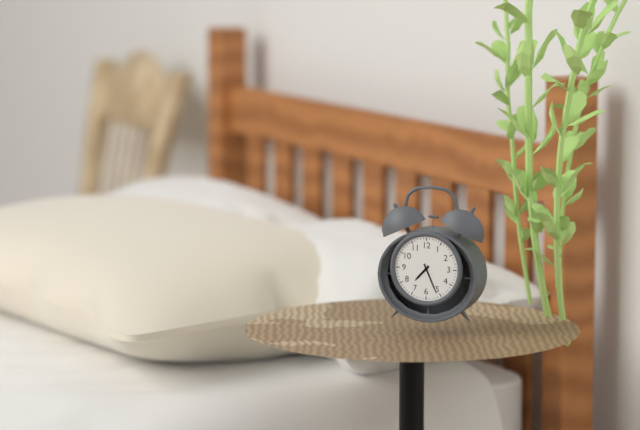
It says 7:26
